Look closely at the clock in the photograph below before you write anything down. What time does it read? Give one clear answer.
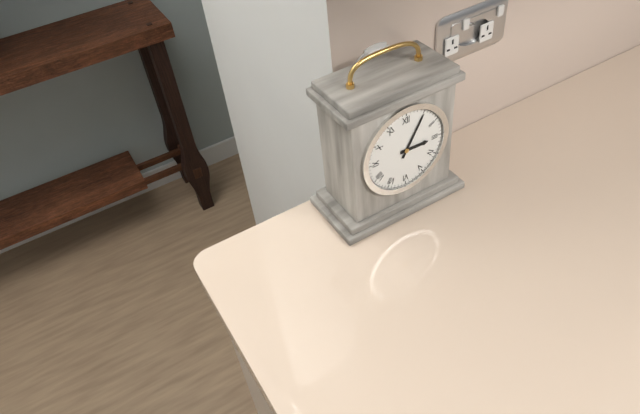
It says 3:05
